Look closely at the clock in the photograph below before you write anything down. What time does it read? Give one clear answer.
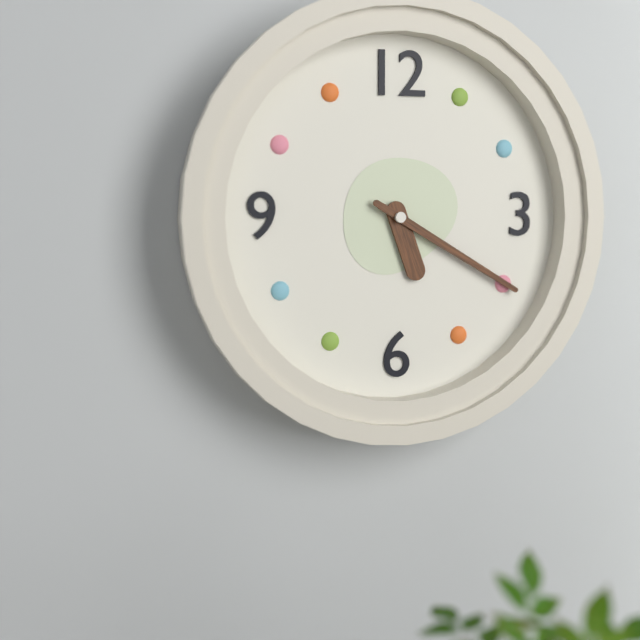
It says 5:20
